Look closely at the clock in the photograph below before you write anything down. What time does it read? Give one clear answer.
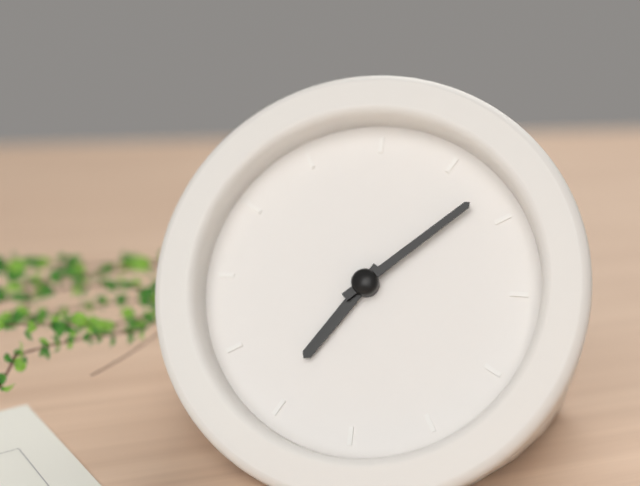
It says 7:08
